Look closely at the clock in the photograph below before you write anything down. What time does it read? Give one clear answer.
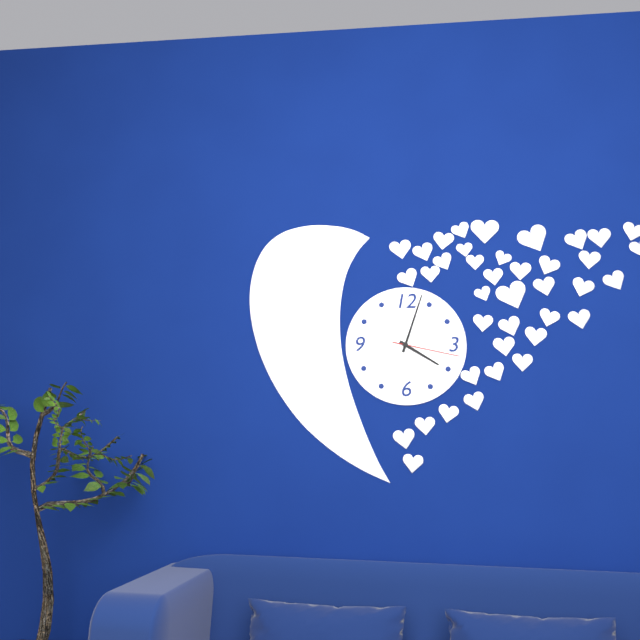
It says 4:03:17
